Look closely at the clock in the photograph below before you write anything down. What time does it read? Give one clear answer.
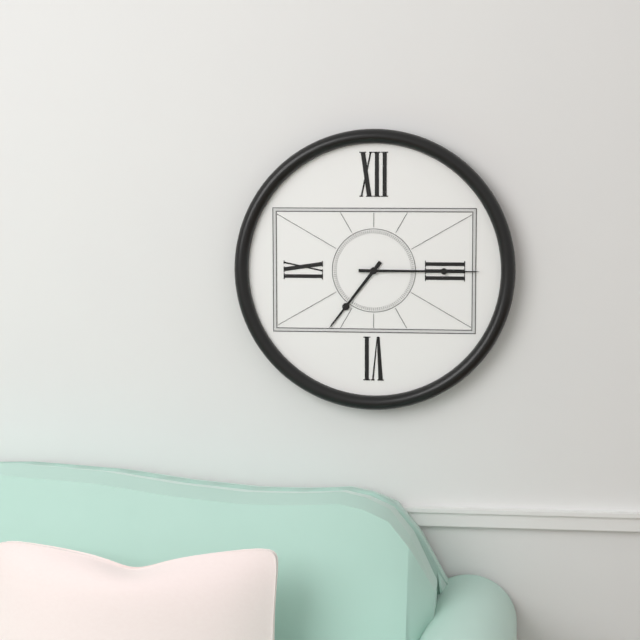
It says 7:15
